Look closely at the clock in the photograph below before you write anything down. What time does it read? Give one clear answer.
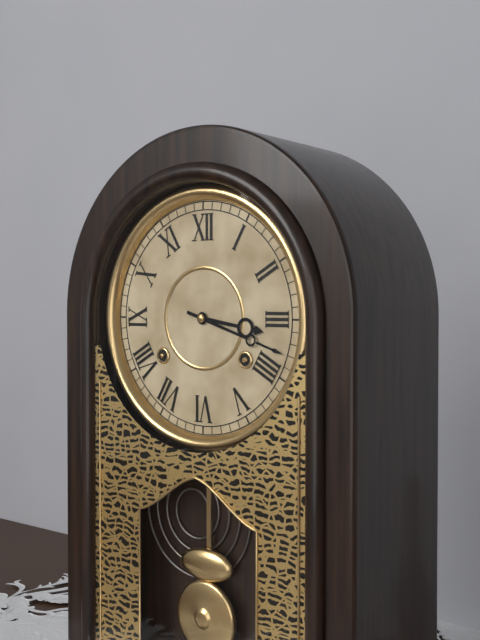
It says 3:18
